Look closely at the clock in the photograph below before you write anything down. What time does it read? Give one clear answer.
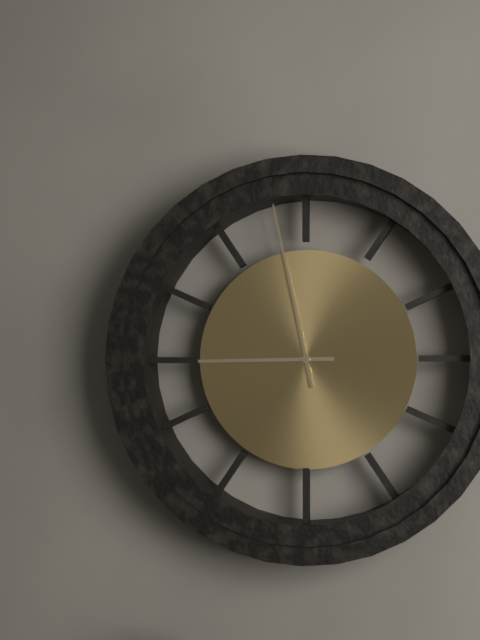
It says 8:58
